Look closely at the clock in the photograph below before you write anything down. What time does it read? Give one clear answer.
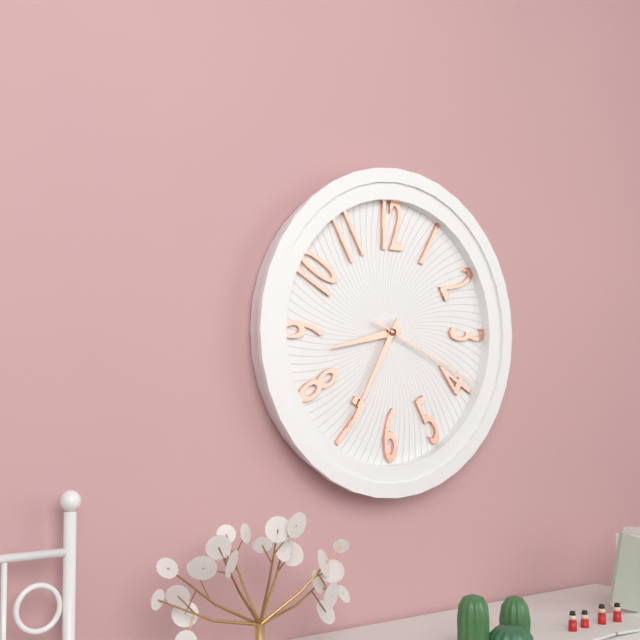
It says 8:35:19
